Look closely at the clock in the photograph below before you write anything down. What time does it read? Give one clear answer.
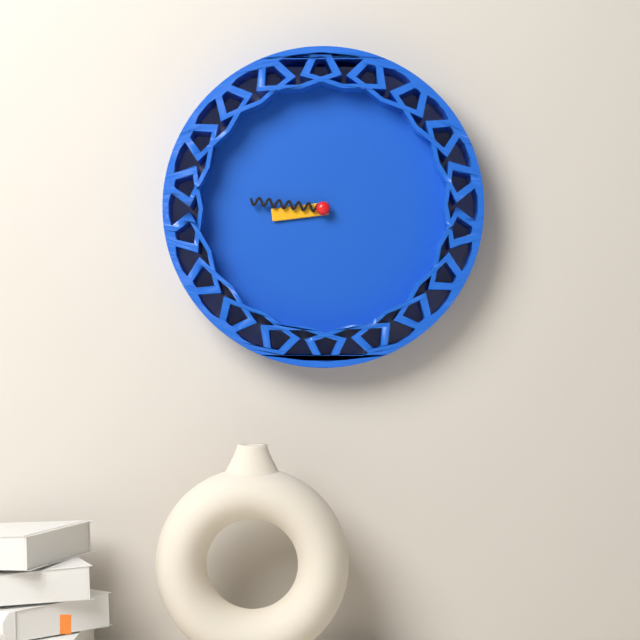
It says 8:46
